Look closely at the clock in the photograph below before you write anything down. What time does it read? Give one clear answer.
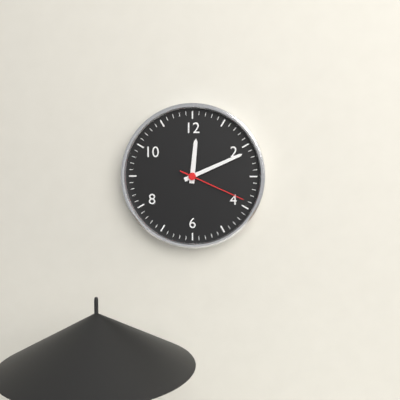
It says 12:11:19
